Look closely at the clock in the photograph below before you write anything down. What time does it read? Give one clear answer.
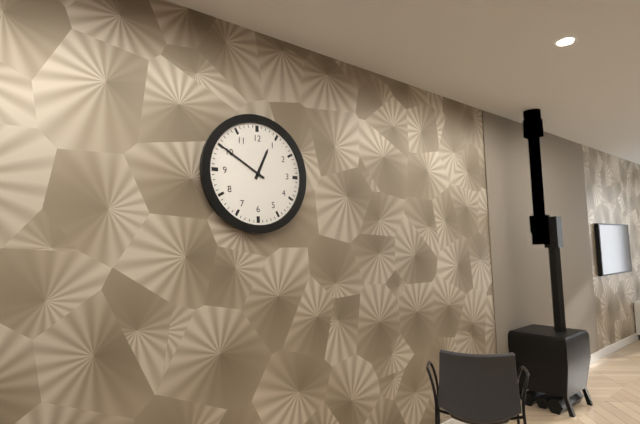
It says 12:50
